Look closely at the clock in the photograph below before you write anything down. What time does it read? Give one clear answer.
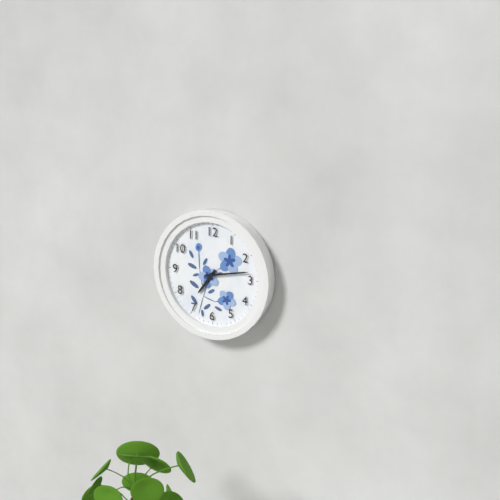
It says 7:13
